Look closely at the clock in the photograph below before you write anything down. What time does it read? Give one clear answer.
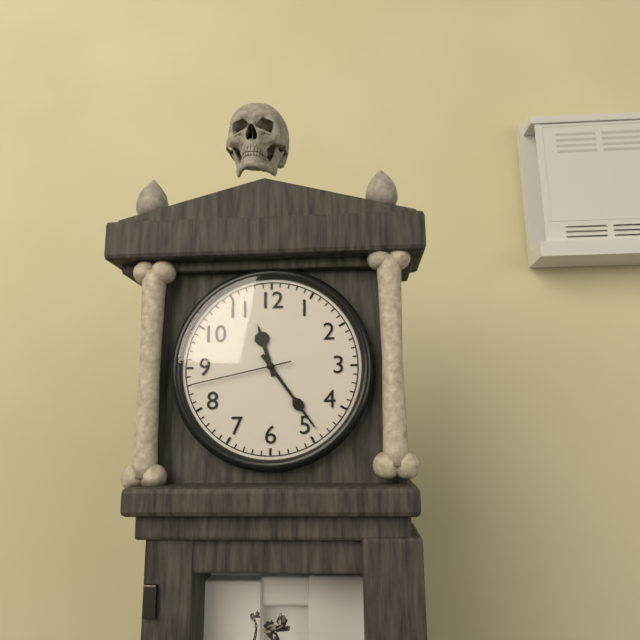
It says 11:24:43
